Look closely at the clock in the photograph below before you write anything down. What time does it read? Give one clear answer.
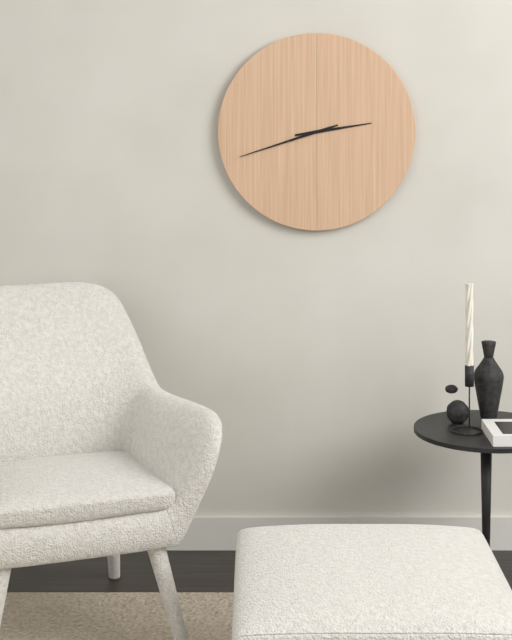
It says 2:42
